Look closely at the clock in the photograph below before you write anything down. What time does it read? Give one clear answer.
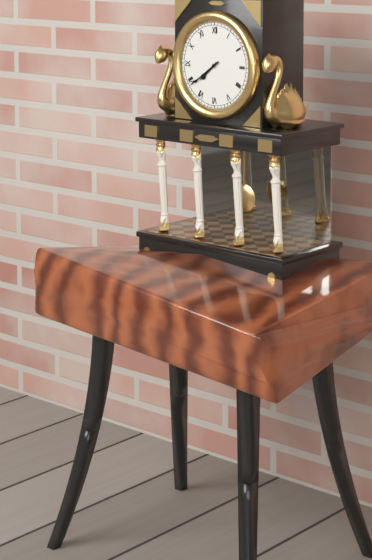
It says 7:39
